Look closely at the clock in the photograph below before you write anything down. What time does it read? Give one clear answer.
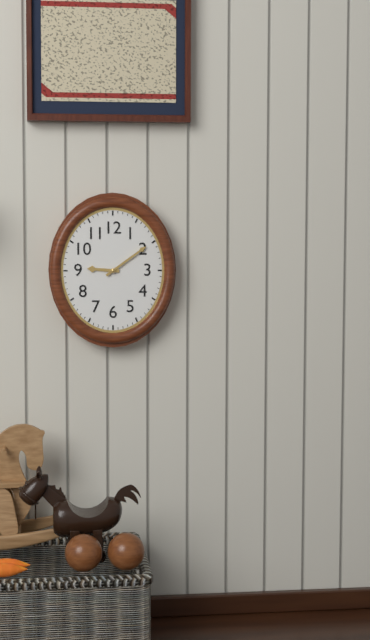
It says 9:09
